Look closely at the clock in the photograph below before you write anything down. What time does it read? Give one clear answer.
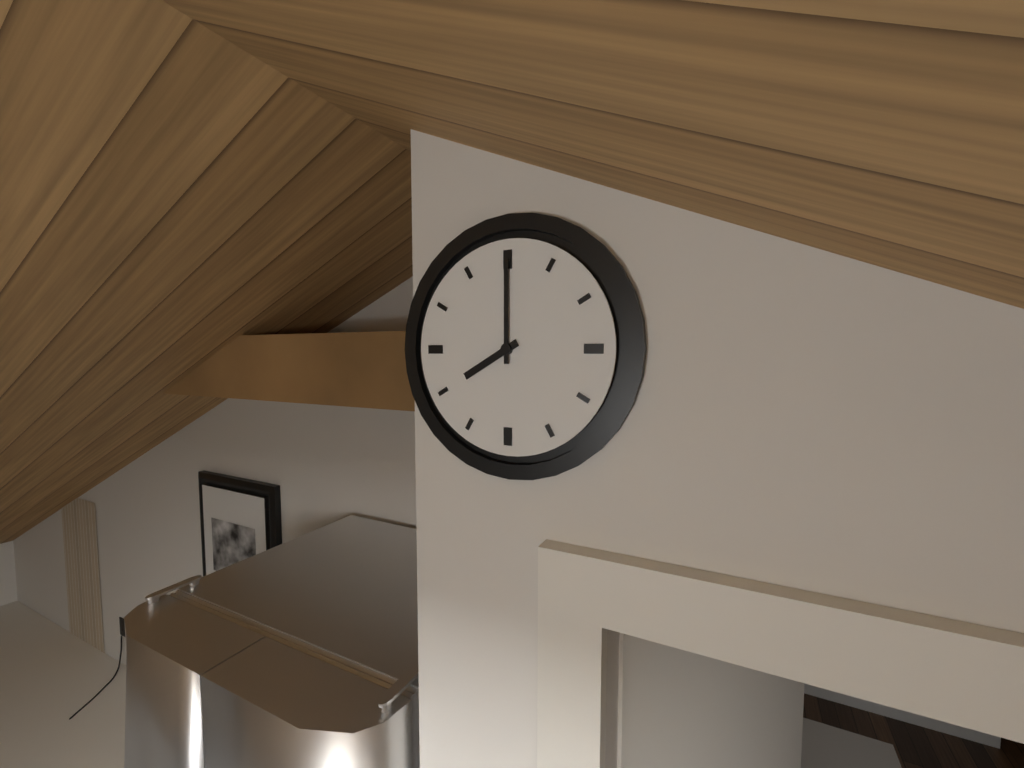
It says 8:00
